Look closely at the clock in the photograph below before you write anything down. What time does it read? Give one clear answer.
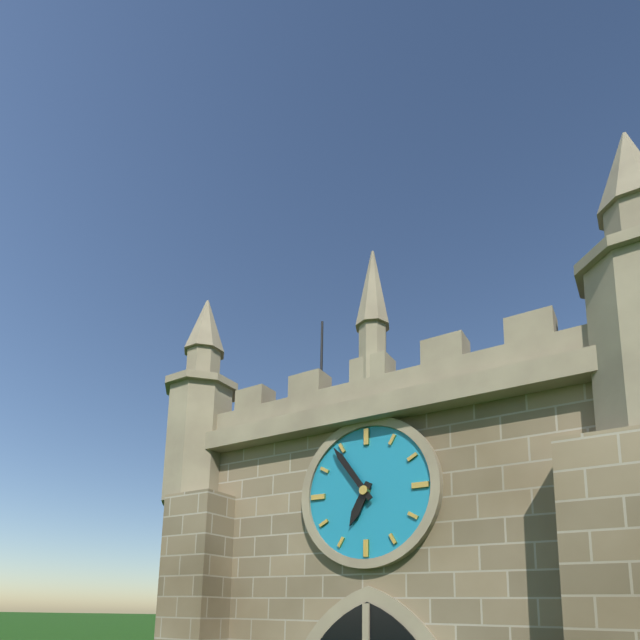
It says 6:54
